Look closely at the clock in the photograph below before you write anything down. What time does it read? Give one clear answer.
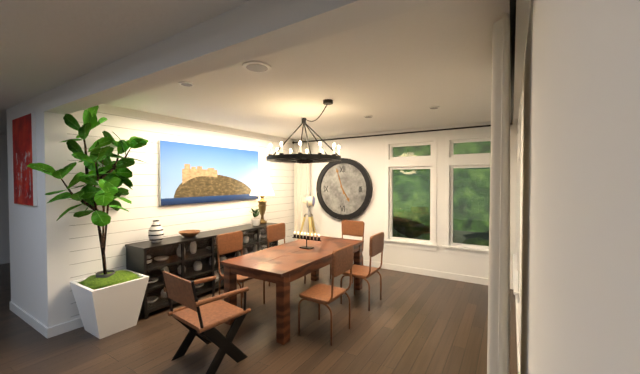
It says 4:57
